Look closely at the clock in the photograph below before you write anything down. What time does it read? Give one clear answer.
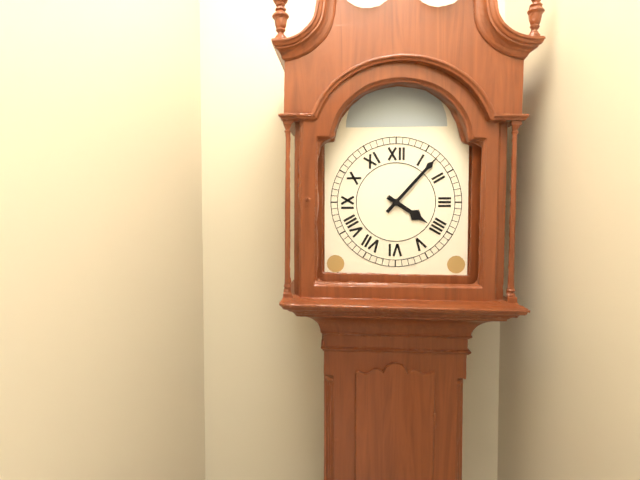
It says 4:07
